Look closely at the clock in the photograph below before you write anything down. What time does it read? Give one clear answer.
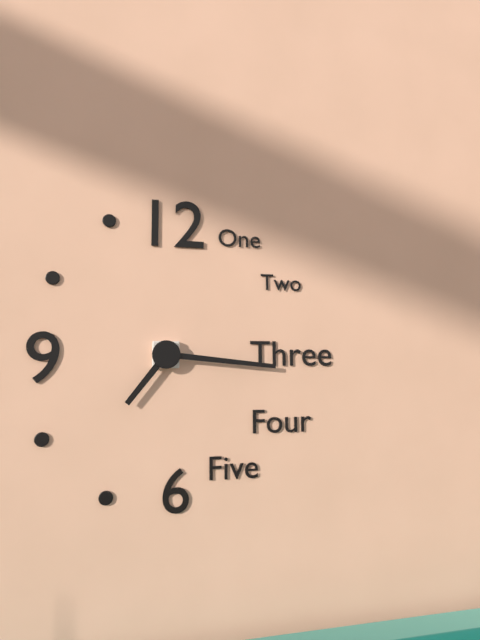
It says 7:16
